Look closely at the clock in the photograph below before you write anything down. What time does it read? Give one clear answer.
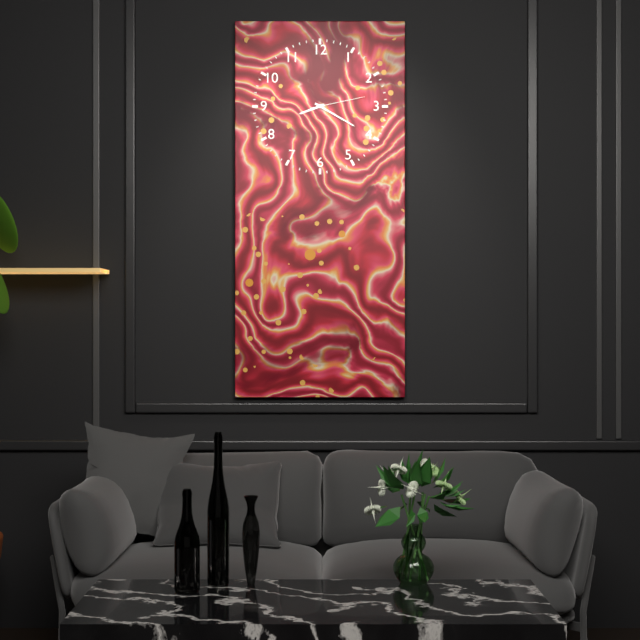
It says 8:20:13
